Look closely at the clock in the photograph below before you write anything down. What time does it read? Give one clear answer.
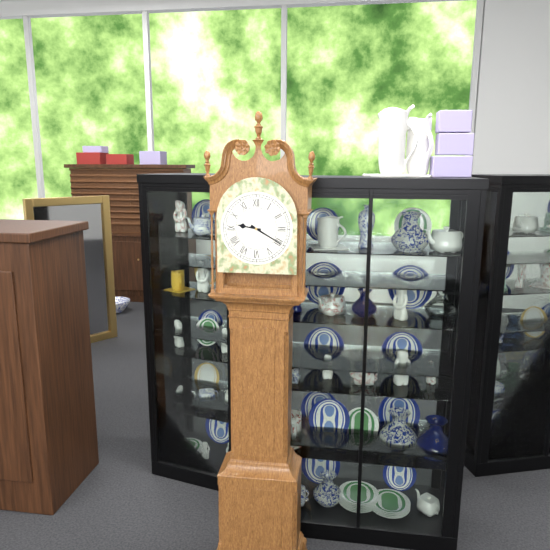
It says 9:20
